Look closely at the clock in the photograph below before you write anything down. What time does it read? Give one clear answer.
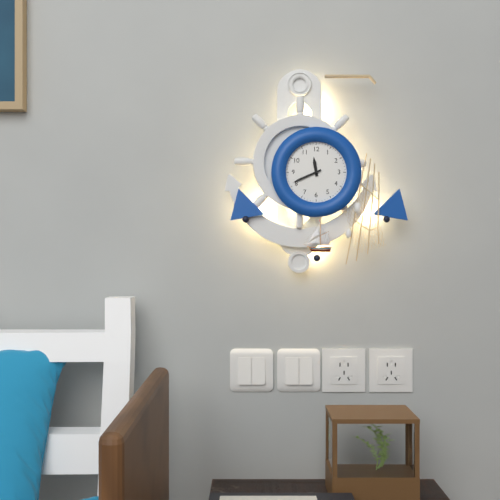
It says 11:41
